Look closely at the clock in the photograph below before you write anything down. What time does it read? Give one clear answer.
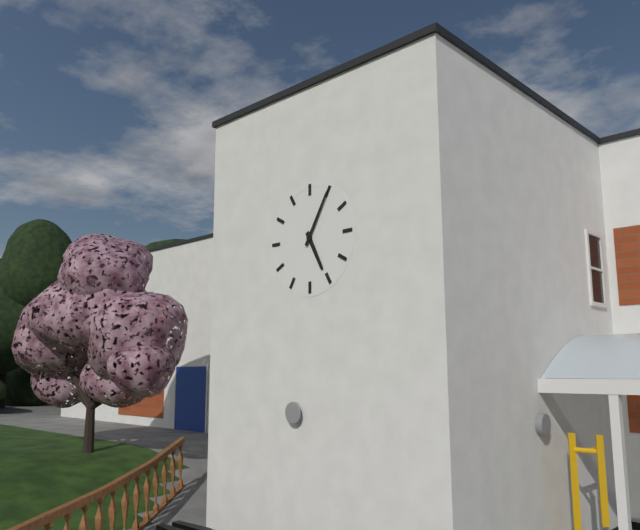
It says 5:05
